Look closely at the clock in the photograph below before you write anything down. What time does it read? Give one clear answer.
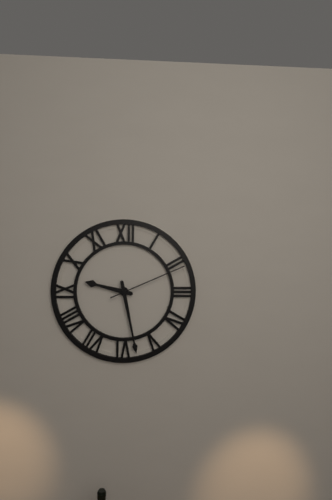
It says 9:28:11
